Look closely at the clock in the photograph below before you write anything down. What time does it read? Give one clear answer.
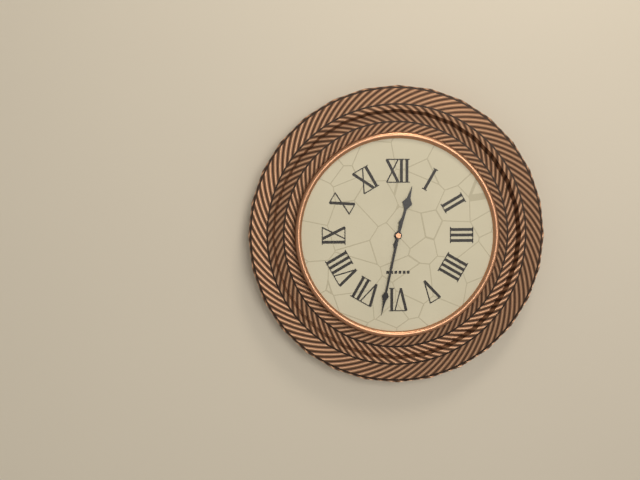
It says 12:32
